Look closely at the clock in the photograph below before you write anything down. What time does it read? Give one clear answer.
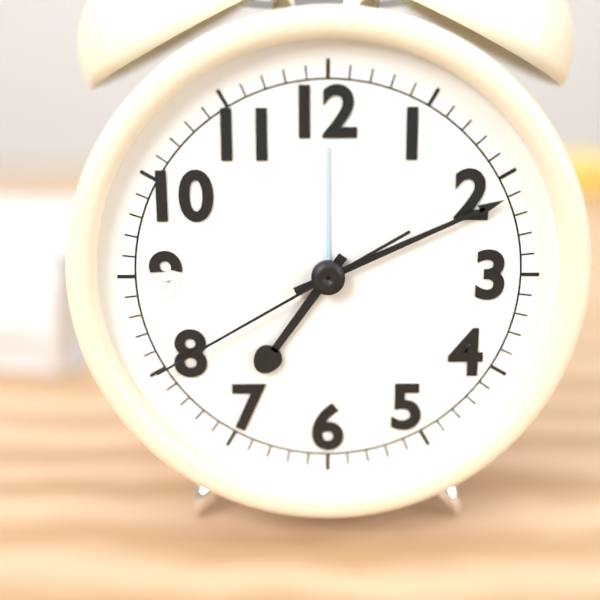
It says 7:11:40
